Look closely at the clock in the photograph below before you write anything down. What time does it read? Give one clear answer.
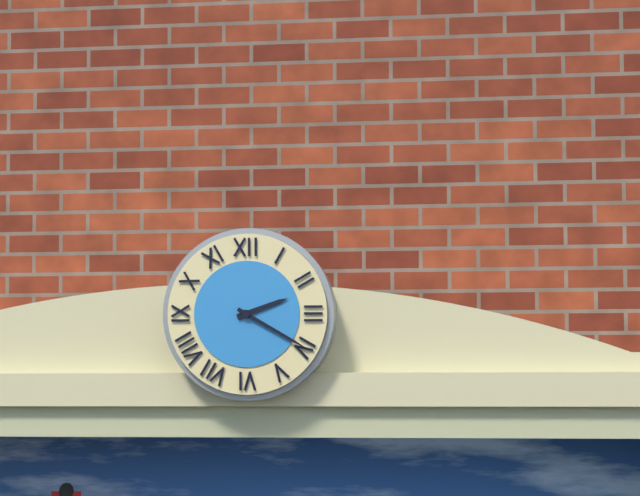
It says 2:20
